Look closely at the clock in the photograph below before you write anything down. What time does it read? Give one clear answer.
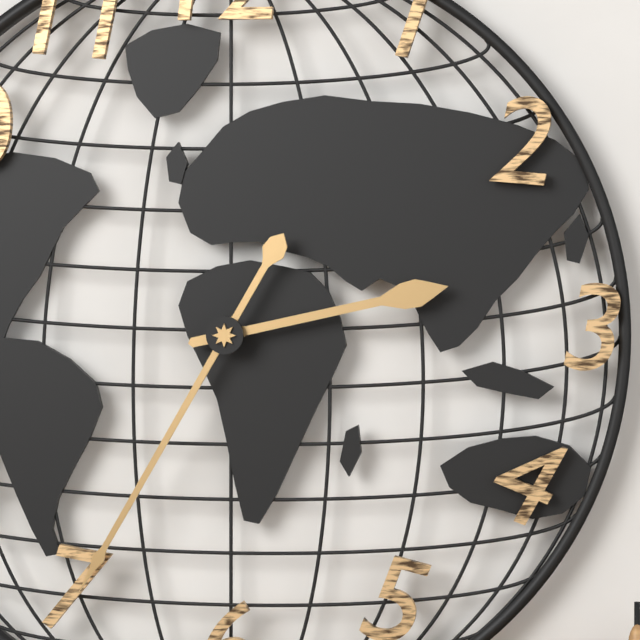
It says 2:35
